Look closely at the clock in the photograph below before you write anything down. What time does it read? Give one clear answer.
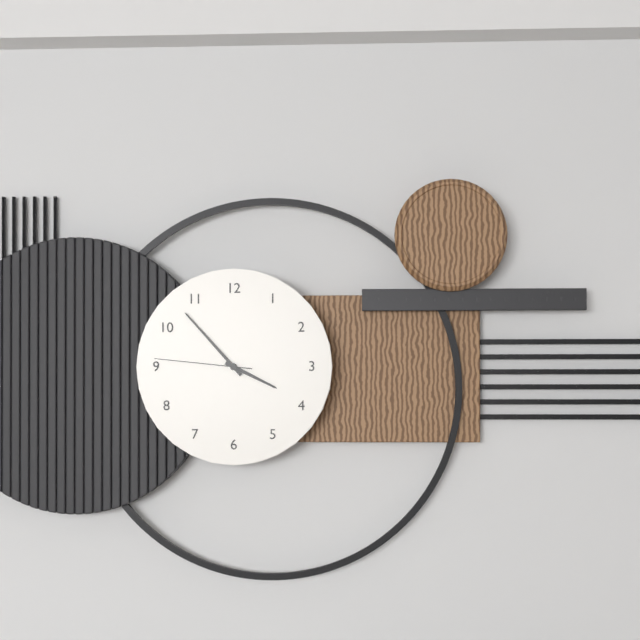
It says 3:53:46
